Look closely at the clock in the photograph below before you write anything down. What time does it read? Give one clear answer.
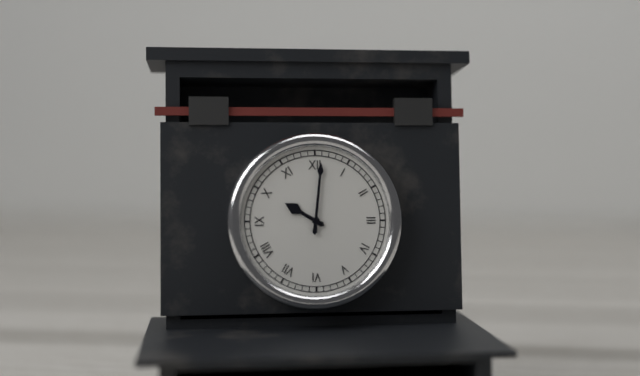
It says 10:01
